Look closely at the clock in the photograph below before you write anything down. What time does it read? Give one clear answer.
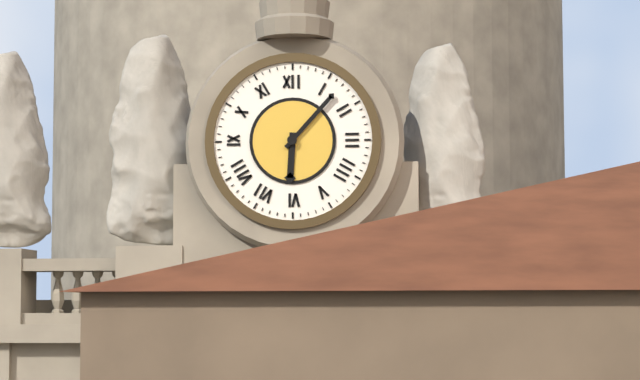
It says 6:07
